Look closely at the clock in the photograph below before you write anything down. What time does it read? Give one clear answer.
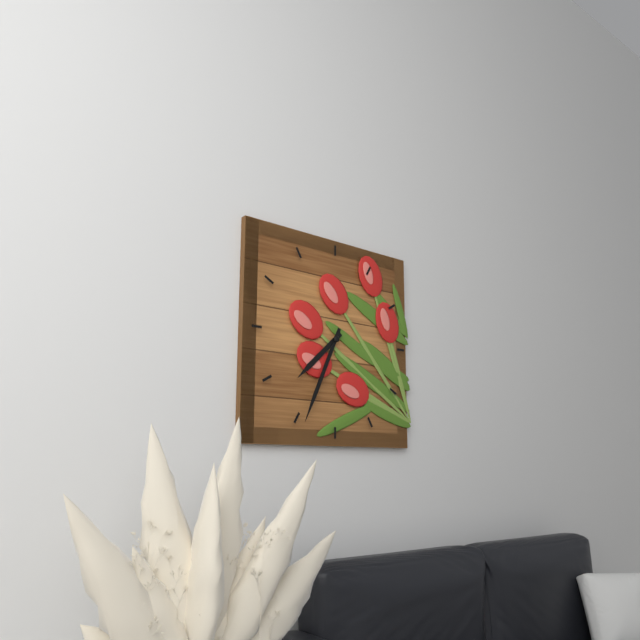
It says 7:34
